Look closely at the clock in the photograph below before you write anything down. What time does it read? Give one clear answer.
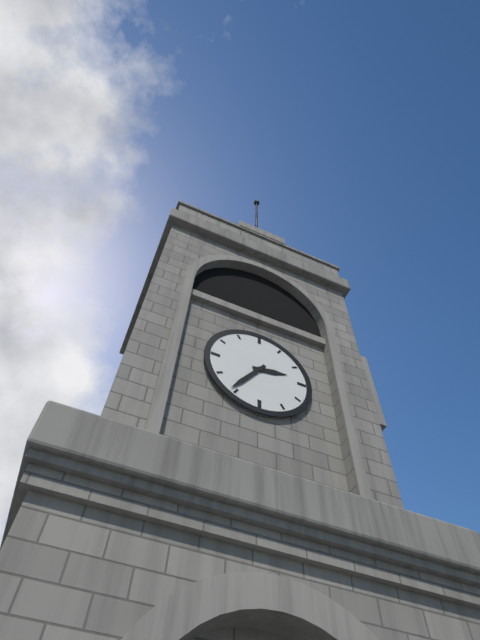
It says 2:36
